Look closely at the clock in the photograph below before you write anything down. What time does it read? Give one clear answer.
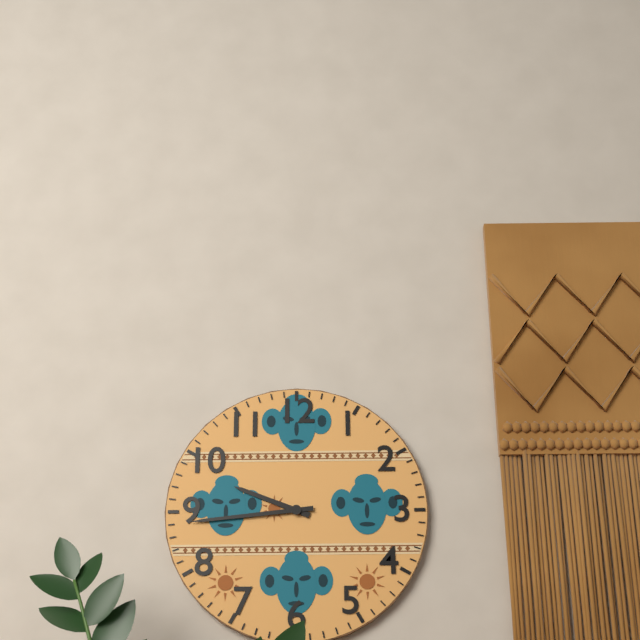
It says 9:44
